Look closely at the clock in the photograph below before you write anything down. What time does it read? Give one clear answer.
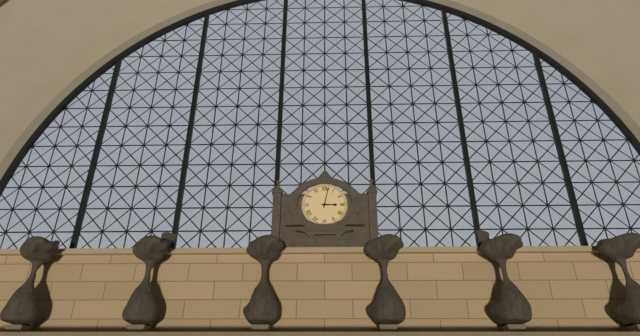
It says 3:02
